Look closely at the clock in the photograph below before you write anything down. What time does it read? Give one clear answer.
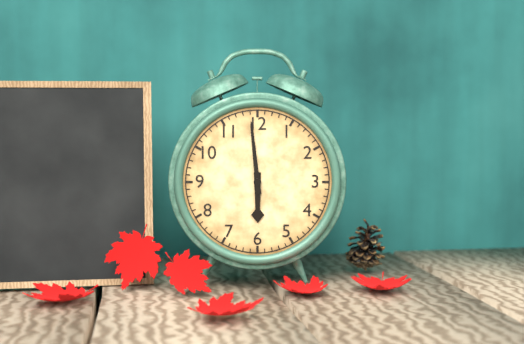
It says 5:59
